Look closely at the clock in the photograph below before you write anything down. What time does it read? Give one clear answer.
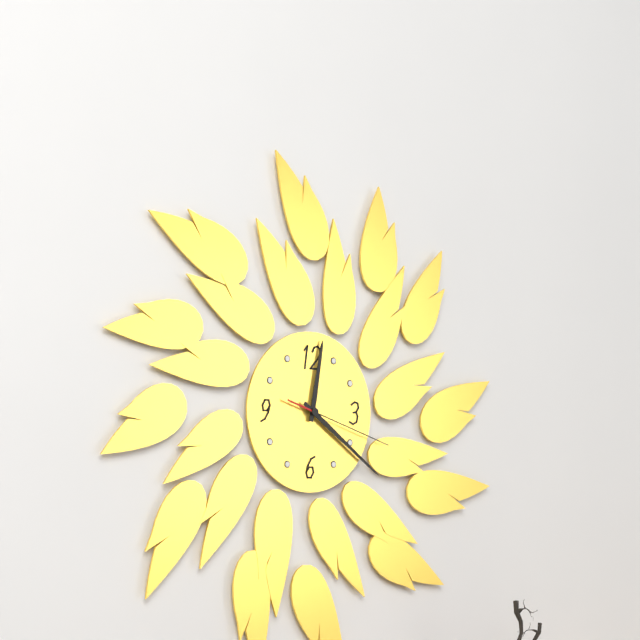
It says 12:21:18
